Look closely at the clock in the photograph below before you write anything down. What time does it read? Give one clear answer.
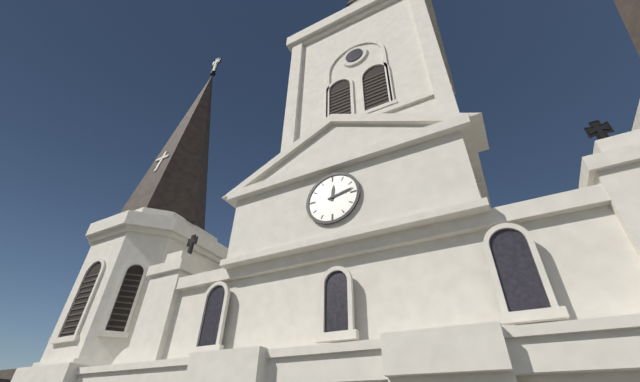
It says 12:13
